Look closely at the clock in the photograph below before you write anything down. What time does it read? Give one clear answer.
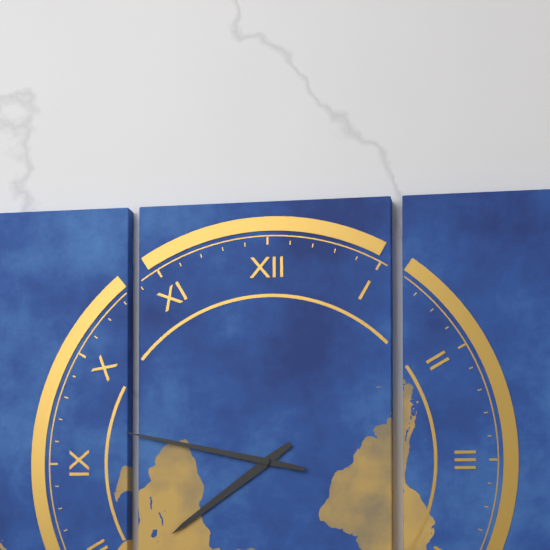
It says 7:47
